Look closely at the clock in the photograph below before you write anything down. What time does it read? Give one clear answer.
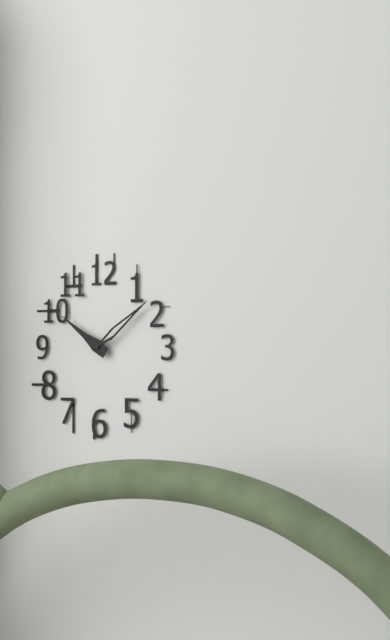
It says 10:09
